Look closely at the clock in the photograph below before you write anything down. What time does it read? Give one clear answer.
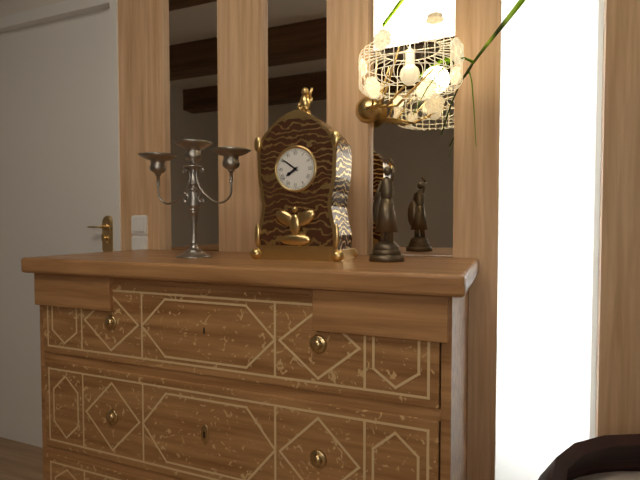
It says 7:51
